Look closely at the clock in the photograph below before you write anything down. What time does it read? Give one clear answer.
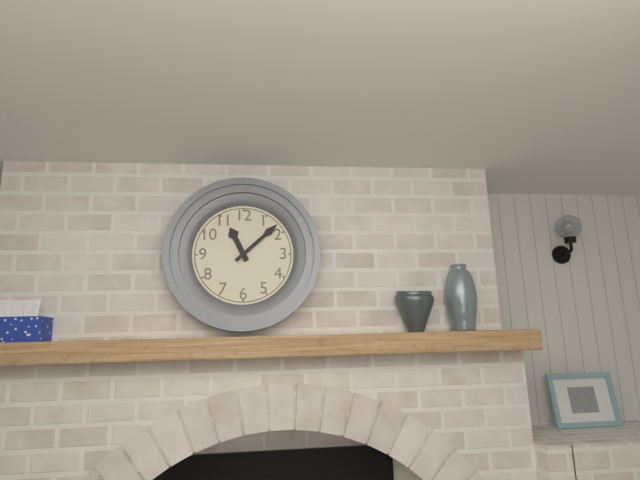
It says 11:08
